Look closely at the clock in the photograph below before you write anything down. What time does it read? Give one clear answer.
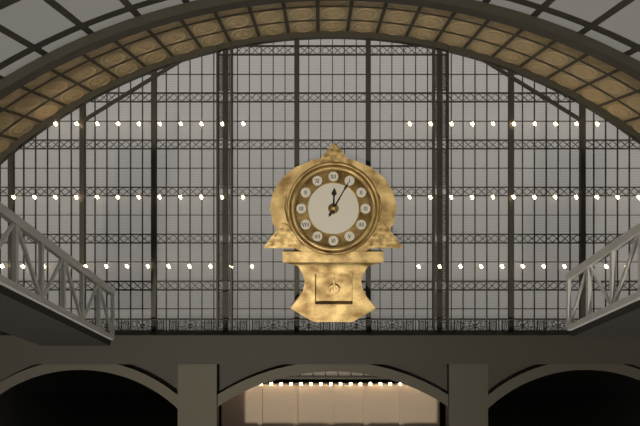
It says 12:05
